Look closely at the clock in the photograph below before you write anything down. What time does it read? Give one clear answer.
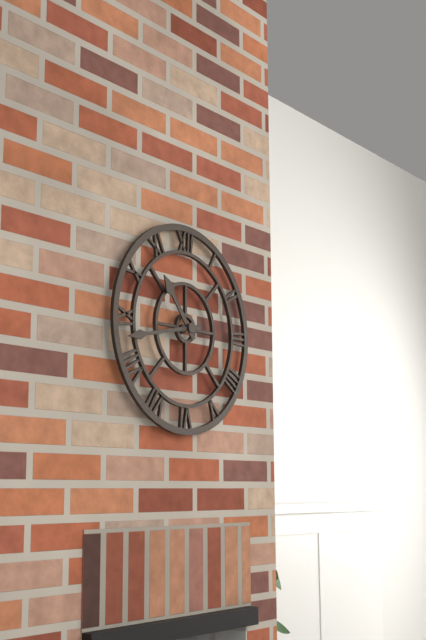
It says 10:43
